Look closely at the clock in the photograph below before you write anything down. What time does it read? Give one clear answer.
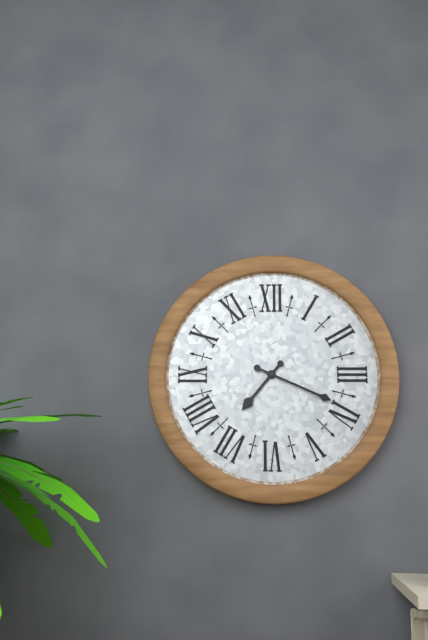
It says 7:19
